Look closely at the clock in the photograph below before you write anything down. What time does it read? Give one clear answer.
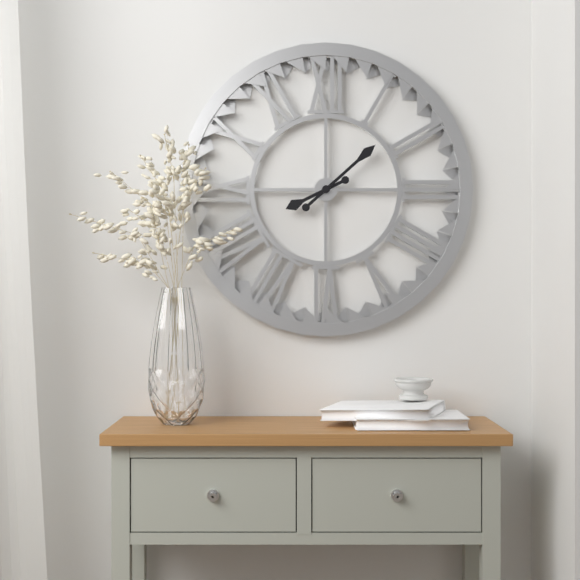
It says 8:08
